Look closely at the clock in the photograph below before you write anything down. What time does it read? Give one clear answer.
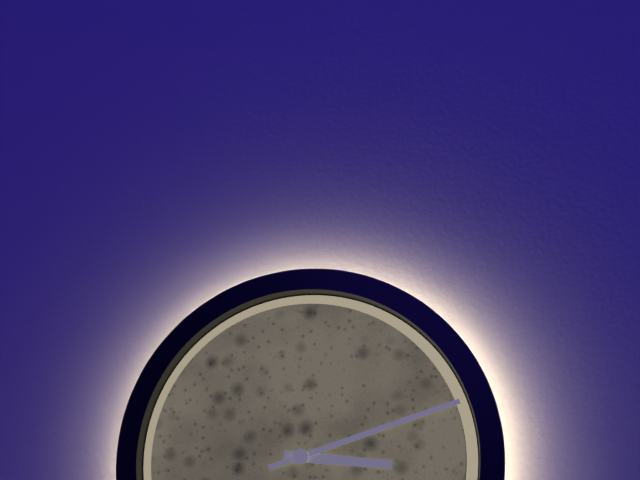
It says 3:12
